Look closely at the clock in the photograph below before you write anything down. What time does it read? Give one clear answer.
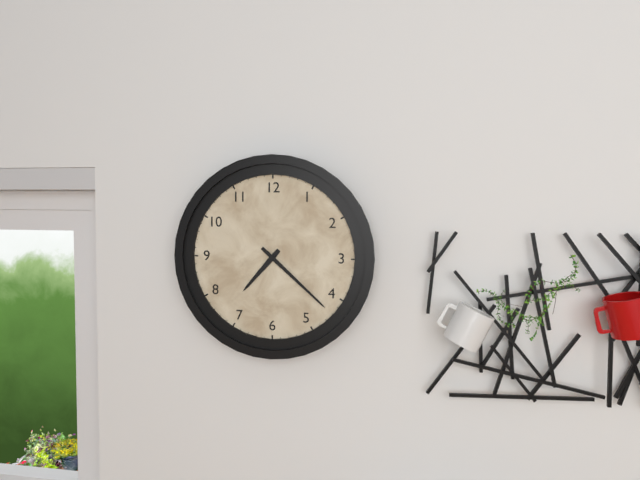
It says 7:22
